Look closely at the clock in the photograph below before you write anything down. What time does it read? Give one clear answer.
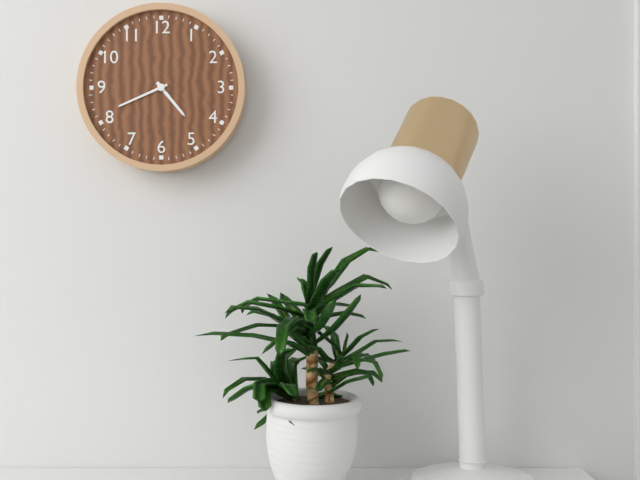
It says 4:41
